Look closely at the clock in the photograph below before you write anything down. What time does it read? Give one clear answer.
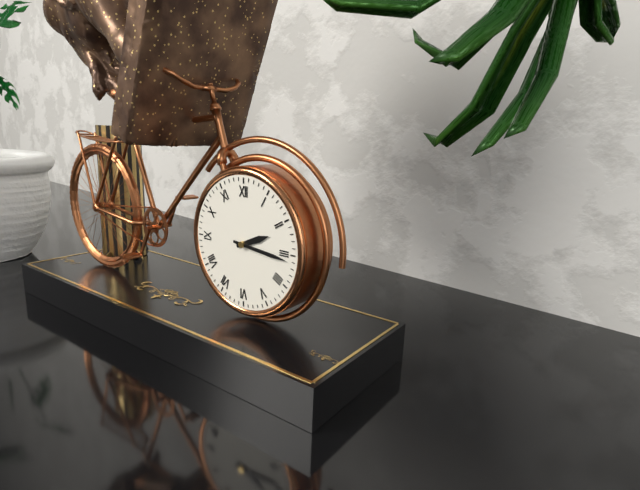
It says 2:16
